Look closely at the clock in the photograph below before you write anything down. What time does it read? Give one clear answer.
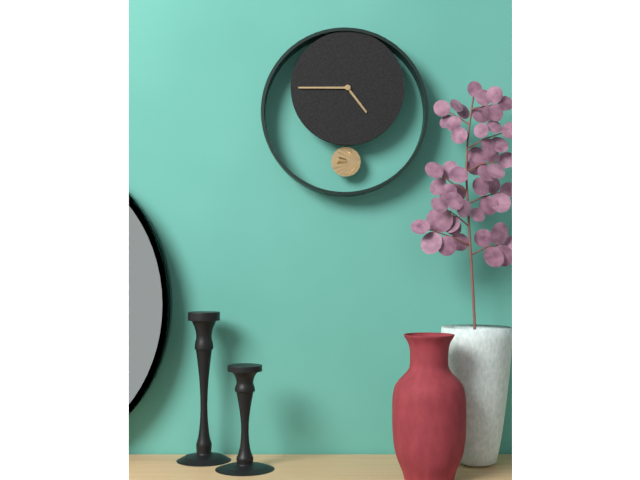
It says 4:45
